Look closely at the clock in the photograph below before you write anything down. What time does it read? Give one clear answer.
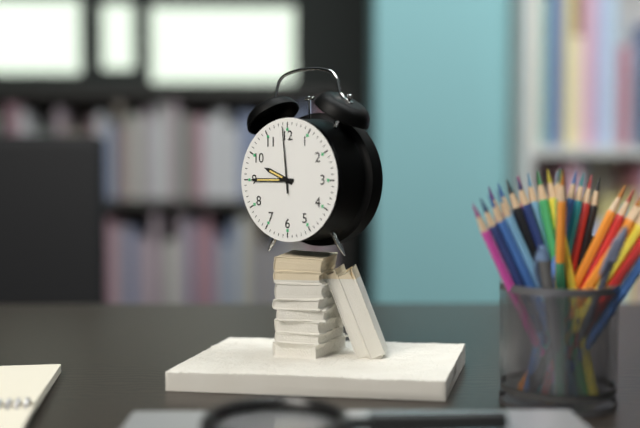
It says 9:45:59
